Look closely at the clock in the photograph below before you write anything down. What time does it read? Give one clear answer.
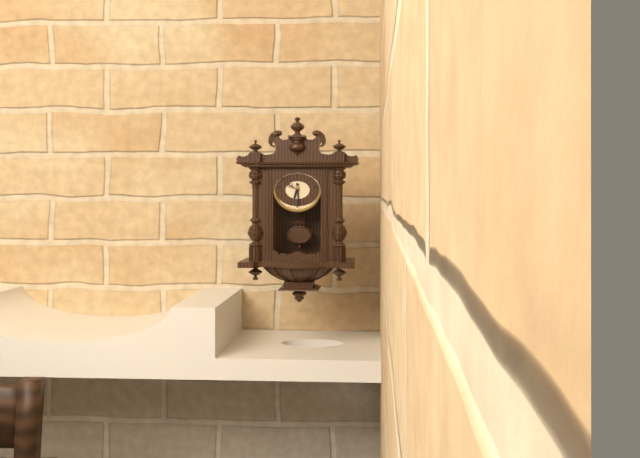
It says 6:29
